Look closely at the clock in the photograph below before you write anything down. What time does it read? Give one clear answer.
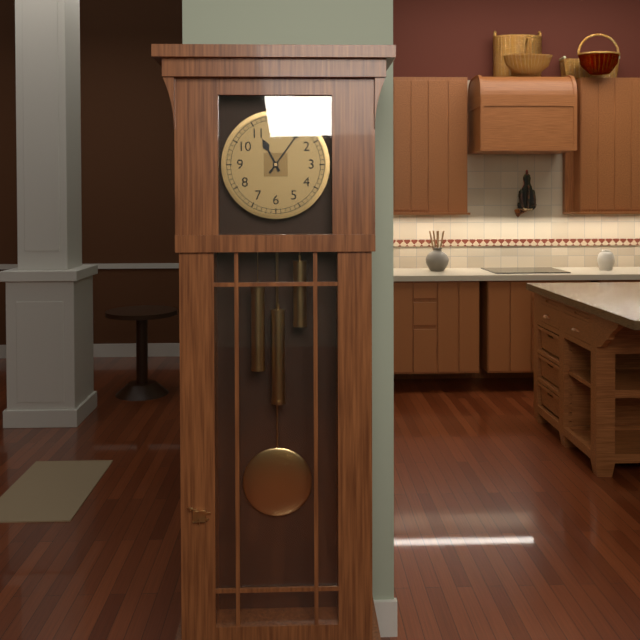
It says 11:06
